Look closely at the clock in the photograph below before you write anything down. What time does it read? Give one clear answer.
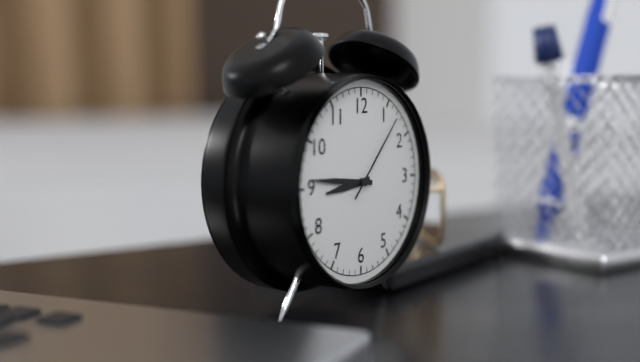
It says 8:46:07
